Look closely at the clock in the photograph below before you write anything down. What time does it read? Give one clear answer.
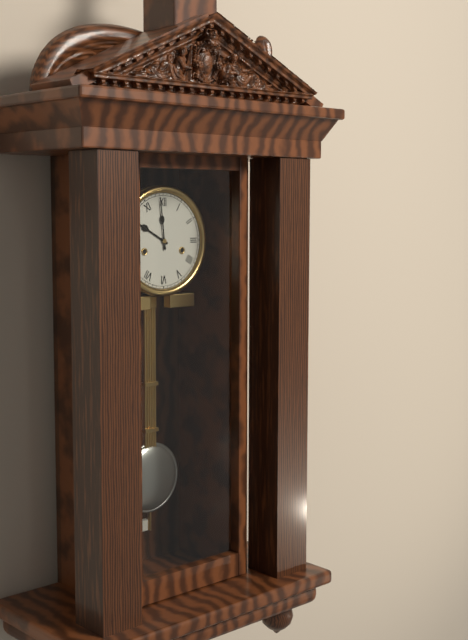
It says 9:59
